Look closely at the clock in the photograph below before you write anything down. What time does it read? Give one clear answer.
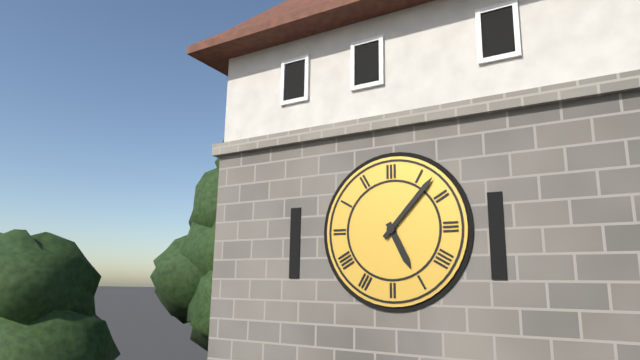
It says 5:07
